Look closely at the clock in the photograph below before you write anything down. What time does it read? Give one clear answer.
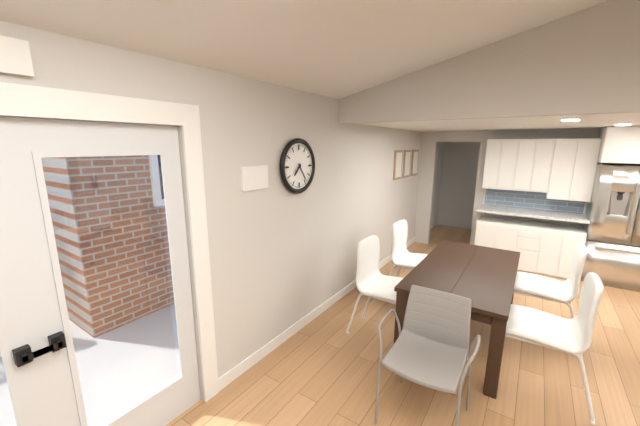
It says 7:24
